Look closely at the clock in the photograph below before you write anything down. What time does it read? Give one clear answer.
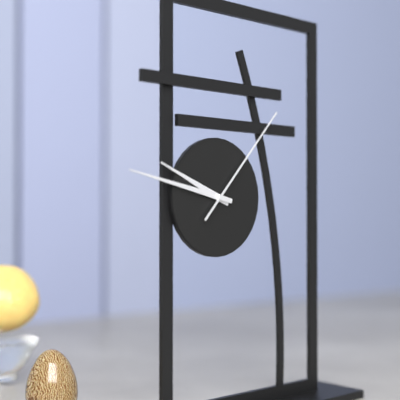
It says 9:47:07
